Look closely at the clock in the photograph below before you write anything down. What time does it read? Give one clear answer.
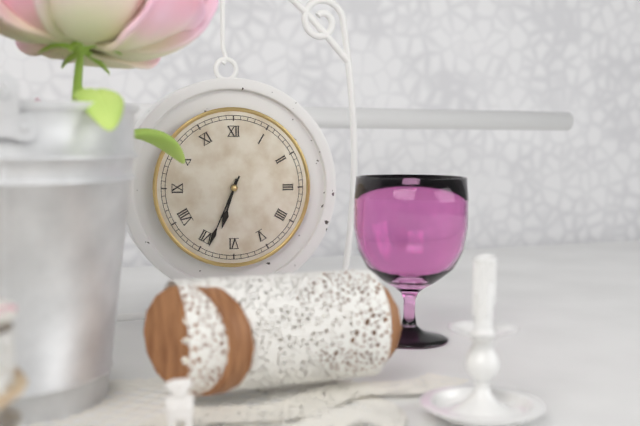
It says 6:34
